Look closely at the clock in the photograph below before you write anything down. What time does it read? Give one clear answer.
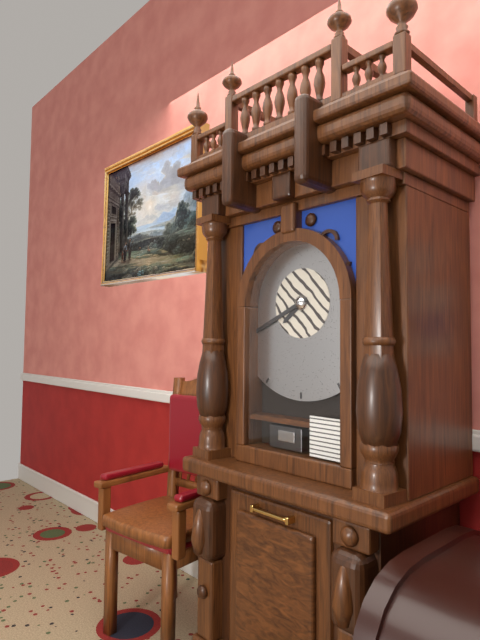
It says 7:41
